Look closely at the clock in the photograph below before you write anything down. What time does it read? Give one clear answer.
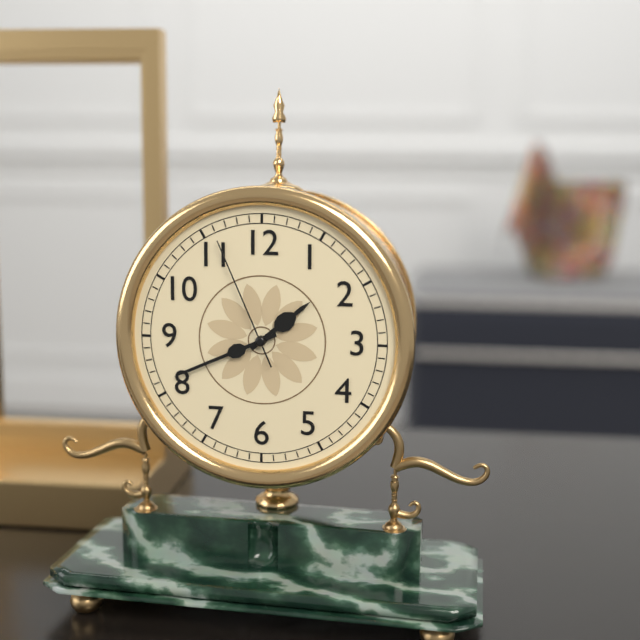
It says 1:41:56
